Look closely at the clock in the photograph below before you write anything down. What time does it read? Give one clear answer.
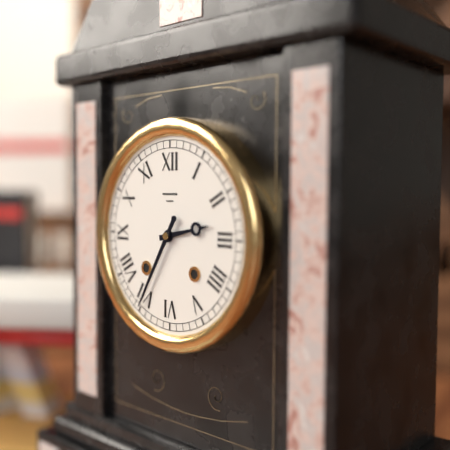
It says 2:35
